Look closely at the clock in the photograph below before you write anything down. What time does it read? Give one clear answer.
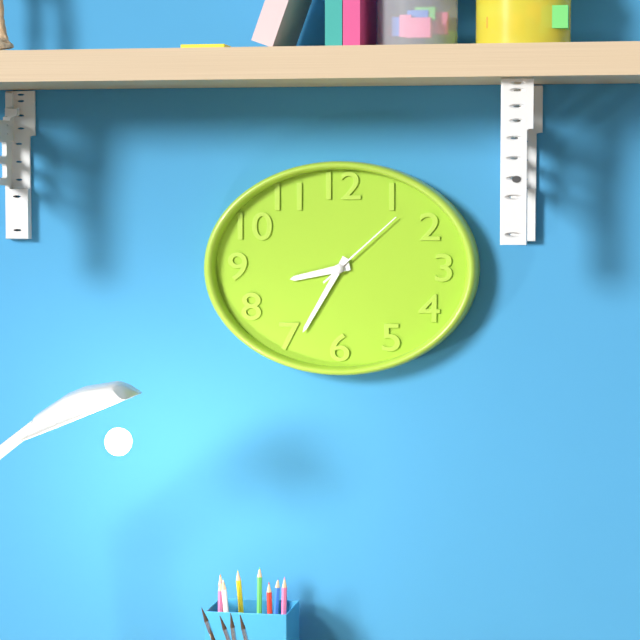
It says 8:35:08
